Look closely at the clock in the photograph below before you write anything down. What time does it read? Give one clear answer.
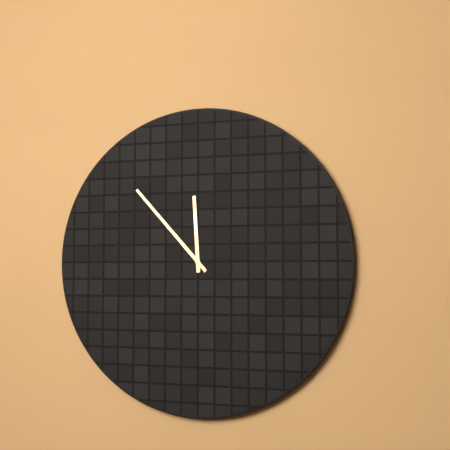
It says 11:53
